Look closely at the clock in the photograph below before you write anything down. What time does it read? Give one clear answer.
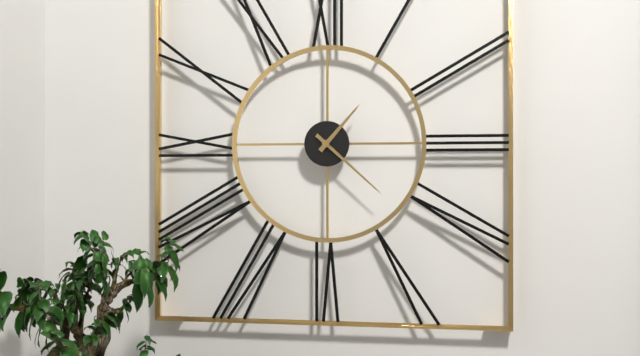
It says 1:22
